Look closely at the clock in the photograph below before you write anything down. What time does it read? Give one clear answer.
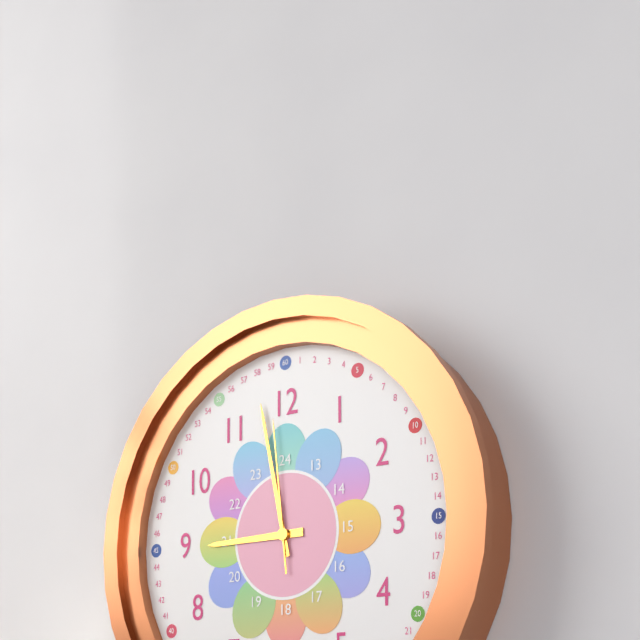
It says 8:58:59
